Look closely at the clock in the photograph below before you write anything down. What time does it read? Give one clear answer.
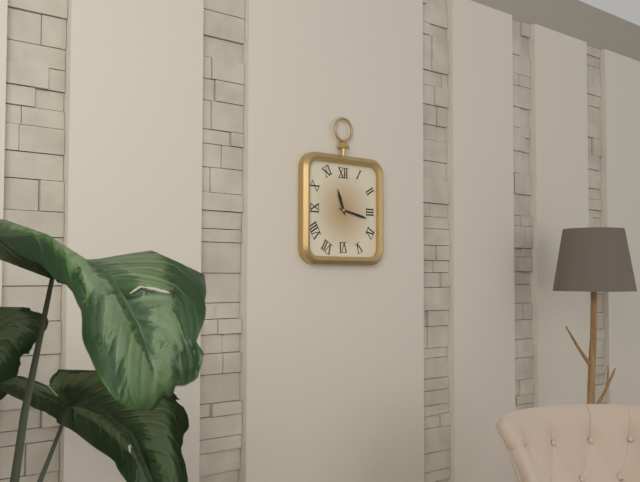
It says 11:17
